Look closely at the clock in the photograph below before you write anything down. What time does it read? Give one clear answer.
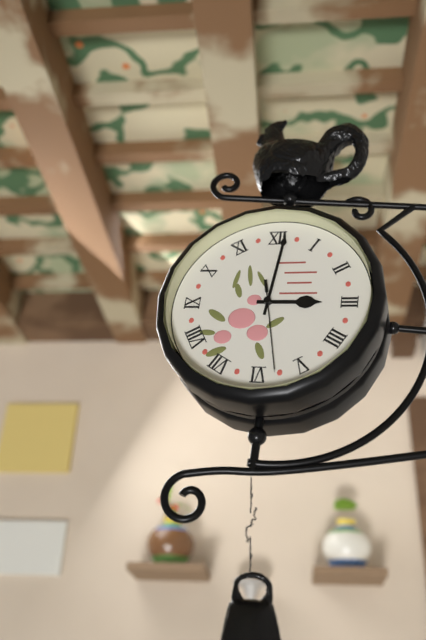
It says 3:01:28
